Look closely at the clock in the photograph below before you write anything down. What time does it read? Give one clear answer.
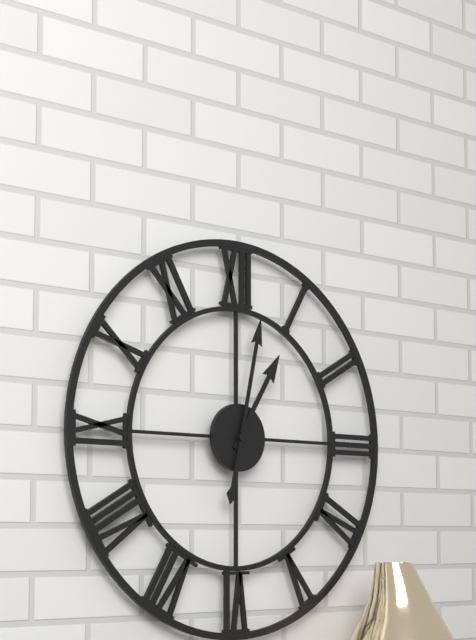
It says 1:02
